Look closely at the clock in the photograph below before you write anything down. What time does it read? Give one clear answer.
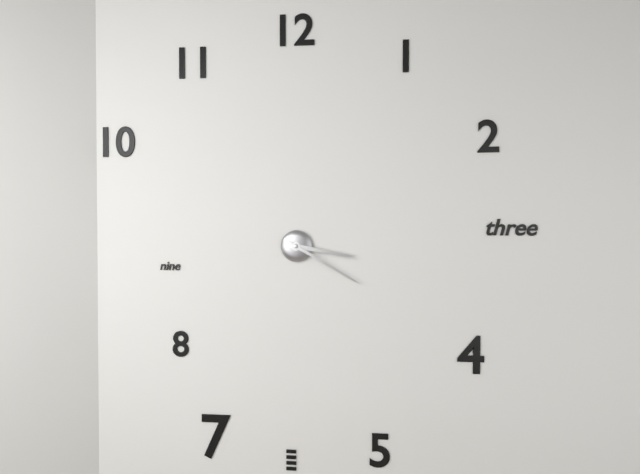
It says 3:20
